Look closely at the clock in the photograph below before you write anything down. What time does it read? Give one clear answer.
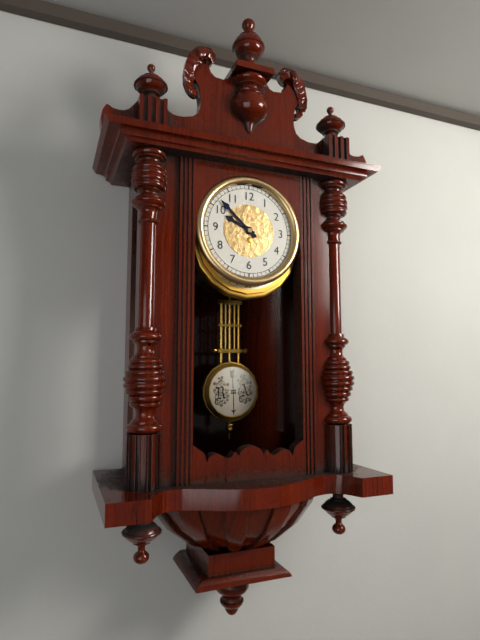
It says 9:52
